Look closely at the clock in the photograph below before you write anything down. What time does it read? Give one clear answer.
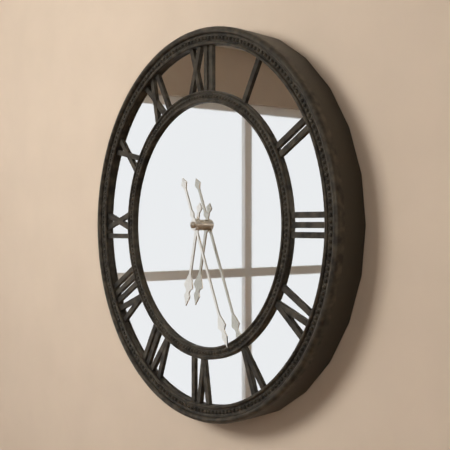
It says 6:26
